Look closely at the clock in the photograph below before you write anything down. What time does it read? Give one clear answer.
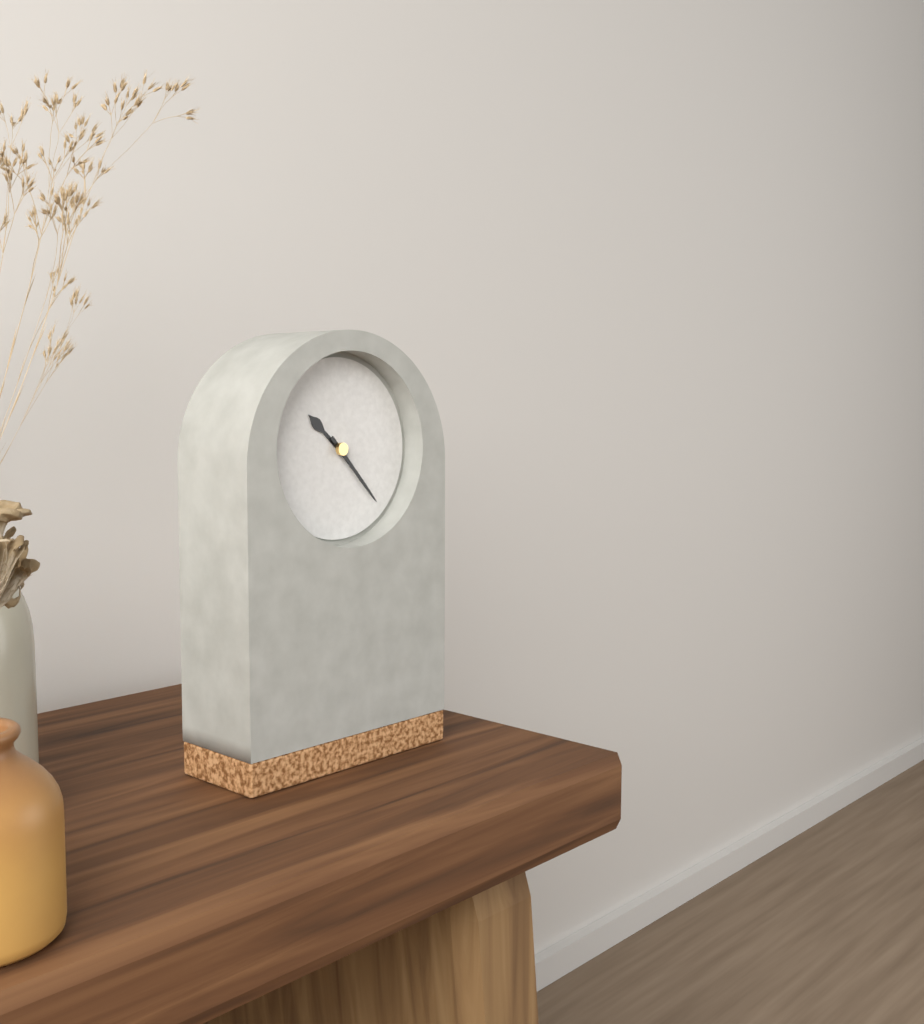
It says 10:23
